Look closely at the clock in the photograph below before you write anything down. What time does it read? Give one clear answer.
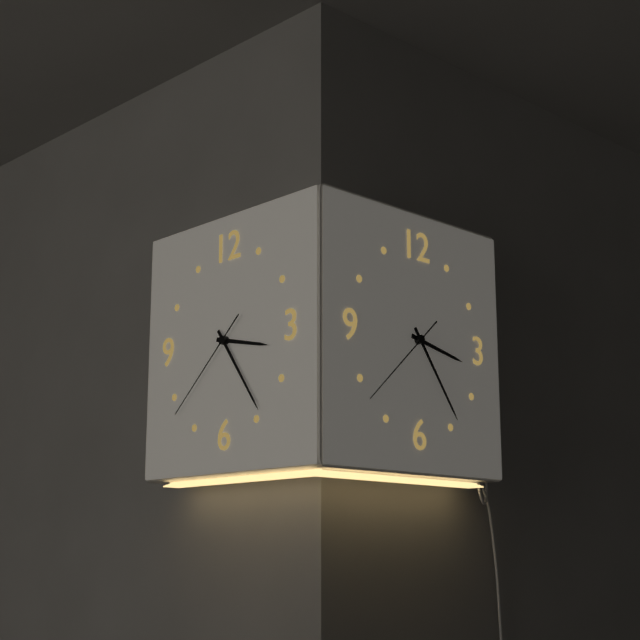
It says 3:24:38
